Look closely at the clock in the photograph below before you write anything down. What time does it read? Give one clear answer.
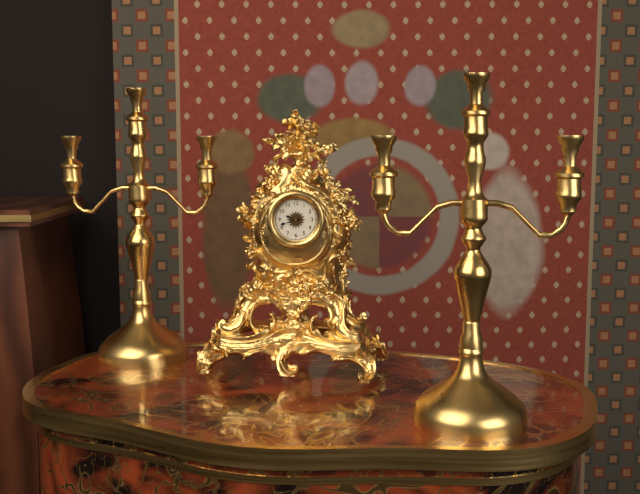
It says 9:42
